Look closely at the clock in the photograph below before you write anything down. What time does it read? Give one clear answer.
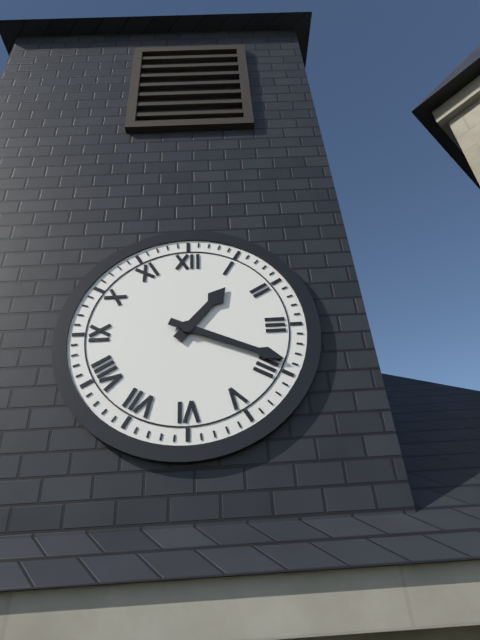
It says 1:19
